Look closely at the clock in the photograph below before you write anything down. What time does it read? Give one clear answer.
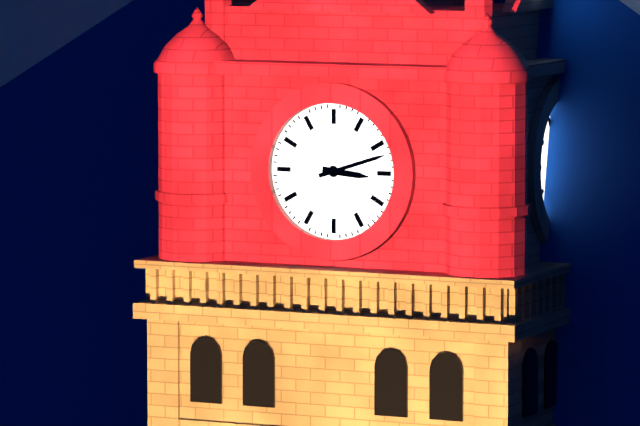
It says 3:12
